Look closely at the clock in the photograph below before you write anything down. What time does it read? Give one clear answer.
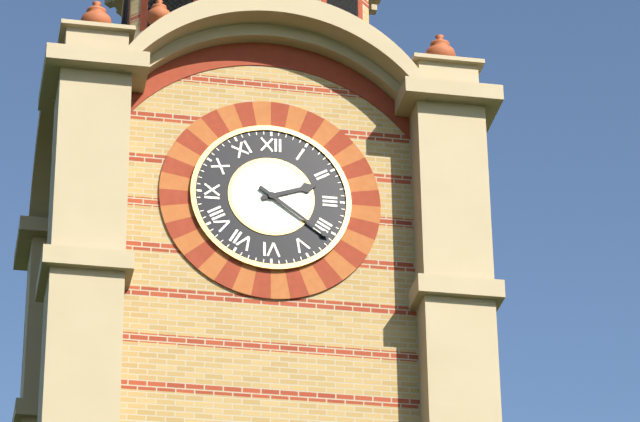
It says 2:21
